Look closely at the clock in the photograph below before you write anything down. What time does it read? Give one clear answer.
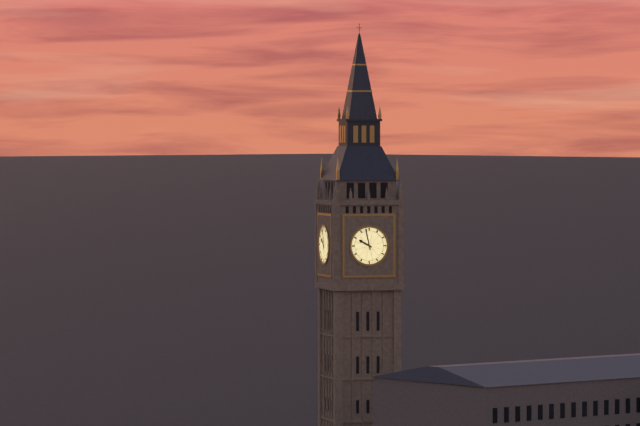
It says 9:58
